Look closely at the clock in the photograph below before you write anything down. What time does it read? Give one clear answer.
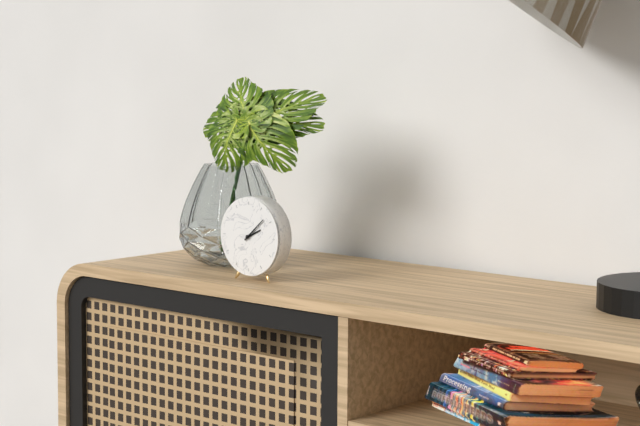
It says 2:08
